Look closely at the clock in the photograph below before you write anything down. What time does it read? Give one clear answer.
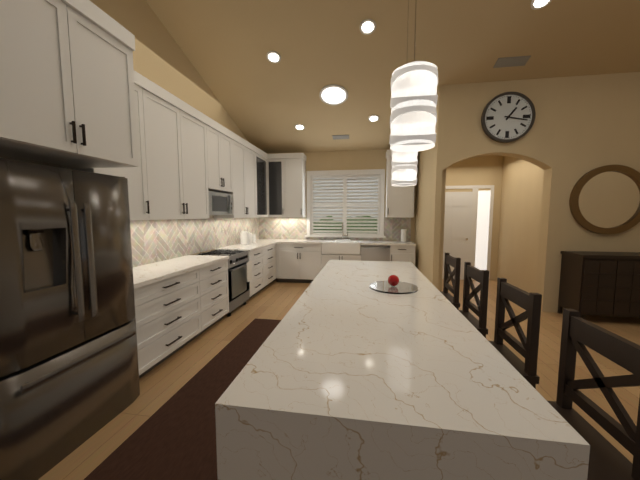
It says 1:17
